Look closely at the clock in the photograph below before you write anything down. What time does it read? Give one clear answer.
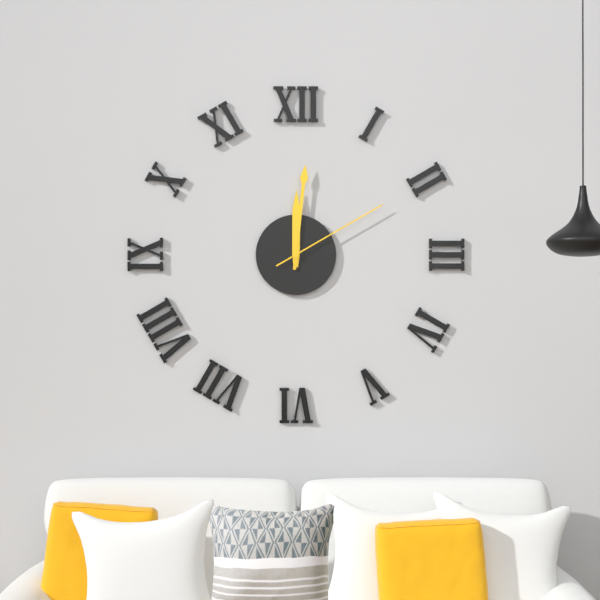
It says 12:01:10
